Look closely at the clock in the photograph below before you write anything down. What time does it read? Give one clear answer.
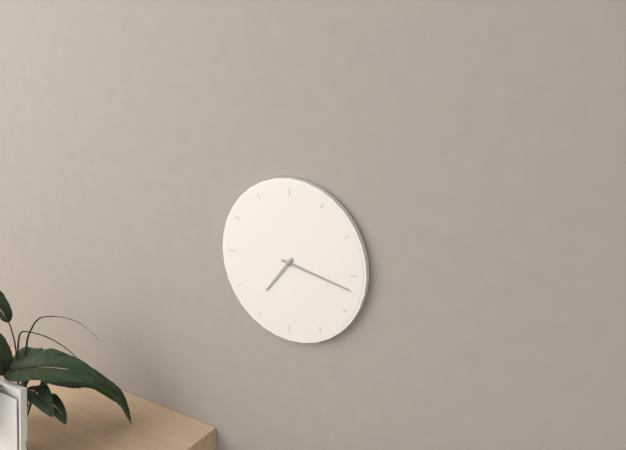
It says 7:17
